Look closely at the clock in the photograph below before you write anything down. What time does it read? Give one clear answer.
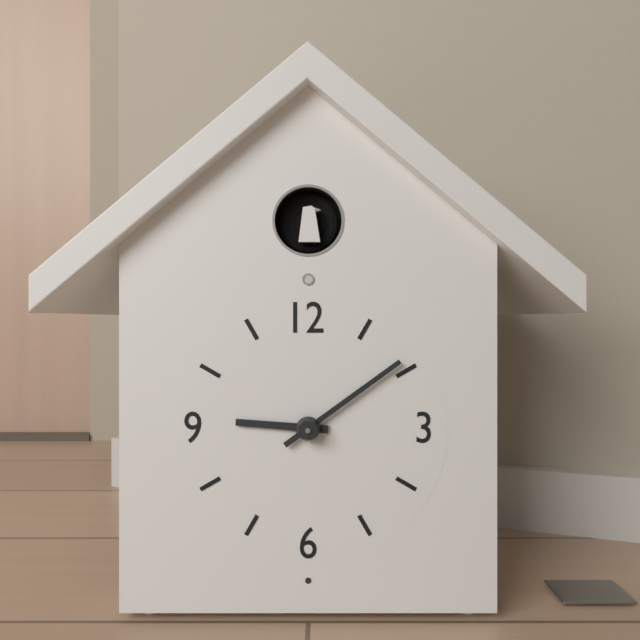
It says 9:09
